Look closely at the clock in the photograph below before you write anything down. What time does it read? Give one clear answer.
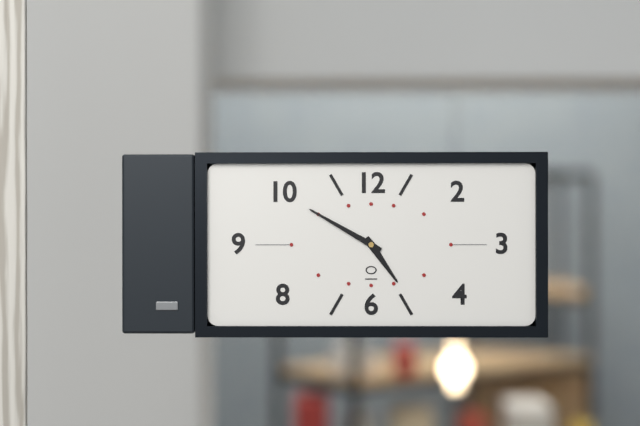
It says 4:50
